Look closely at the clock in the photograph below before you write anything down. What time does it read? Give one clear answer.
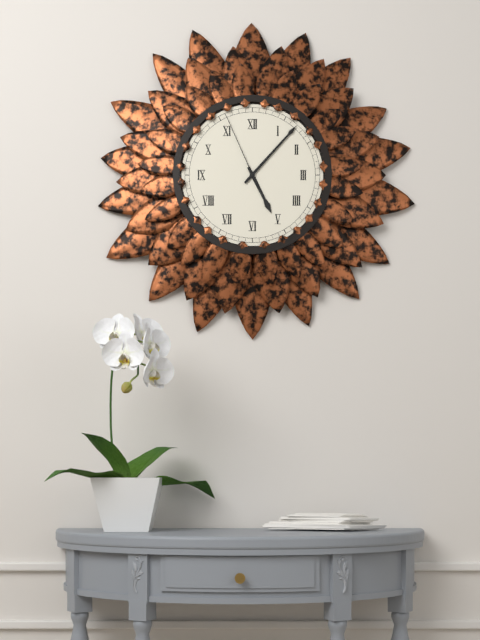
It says 5:07:56
